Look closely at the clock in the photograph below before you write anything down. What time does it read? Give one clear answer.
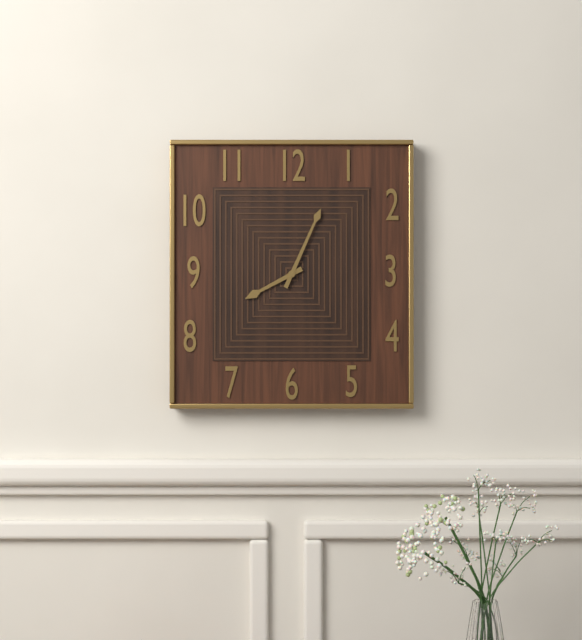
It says 8:04
